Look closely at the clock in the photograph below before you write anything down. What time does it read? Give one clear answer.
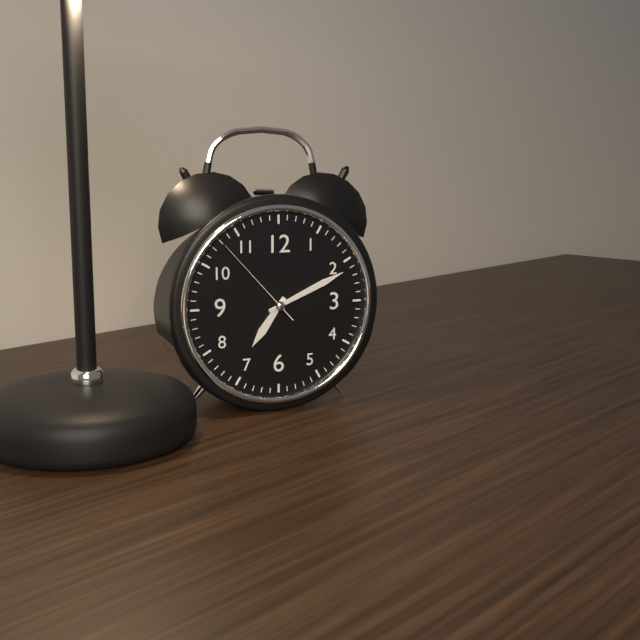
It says 7:11:53
